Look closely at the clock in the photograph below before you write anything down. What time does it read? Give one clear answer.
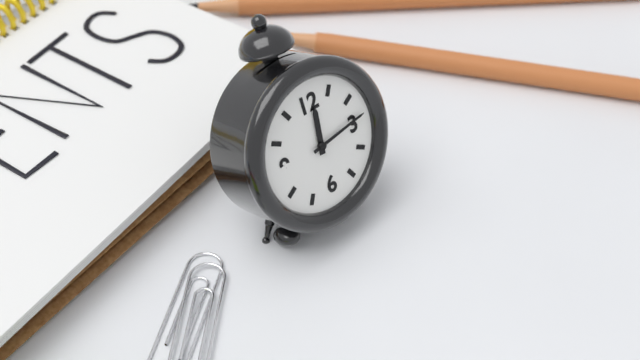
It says 12:14
